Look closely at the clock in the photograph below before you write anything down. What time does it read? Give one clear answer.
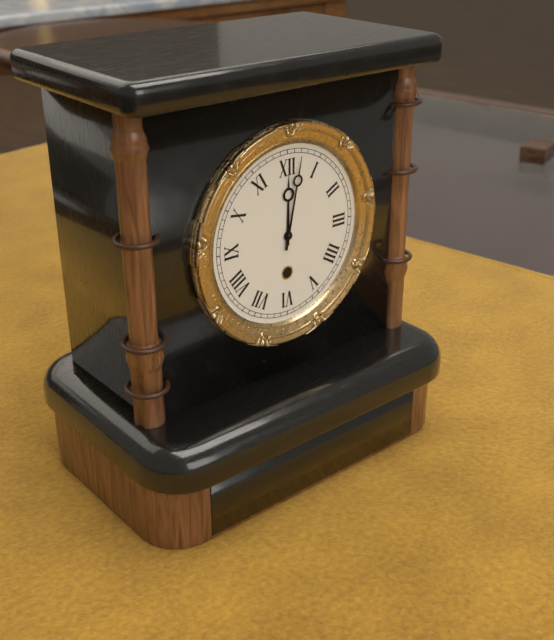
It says 12:02
